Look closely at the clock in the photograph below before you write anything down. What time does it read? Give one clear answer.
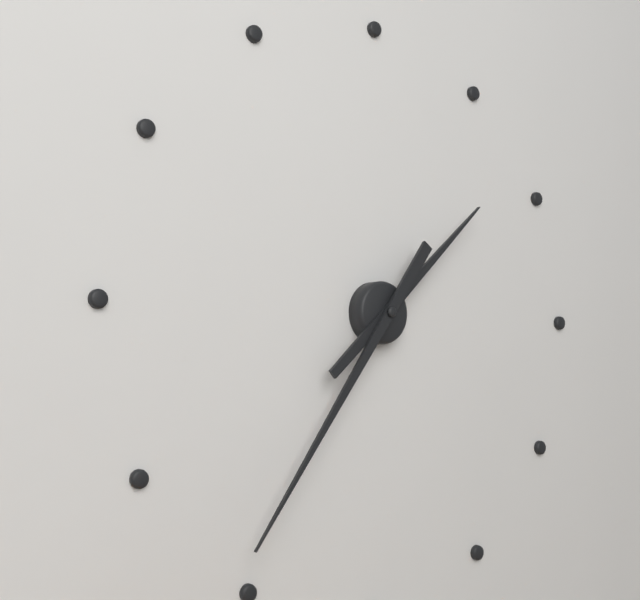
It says 1:36
